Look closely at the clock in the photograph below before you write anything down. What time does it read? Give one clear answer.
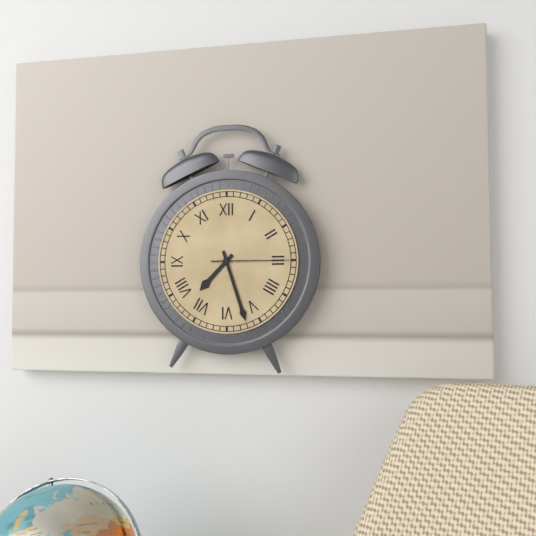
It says 7:27:15
